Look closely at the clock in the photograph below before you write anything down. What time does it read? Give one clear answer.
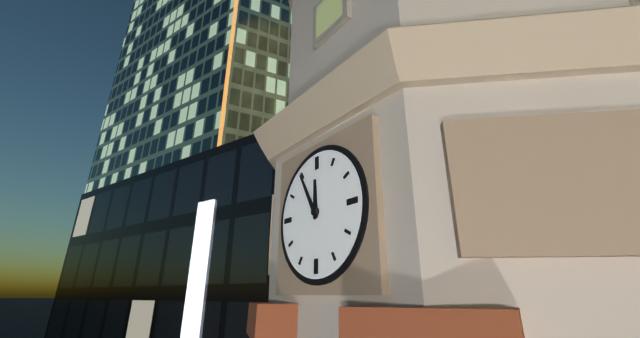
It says 11:55
